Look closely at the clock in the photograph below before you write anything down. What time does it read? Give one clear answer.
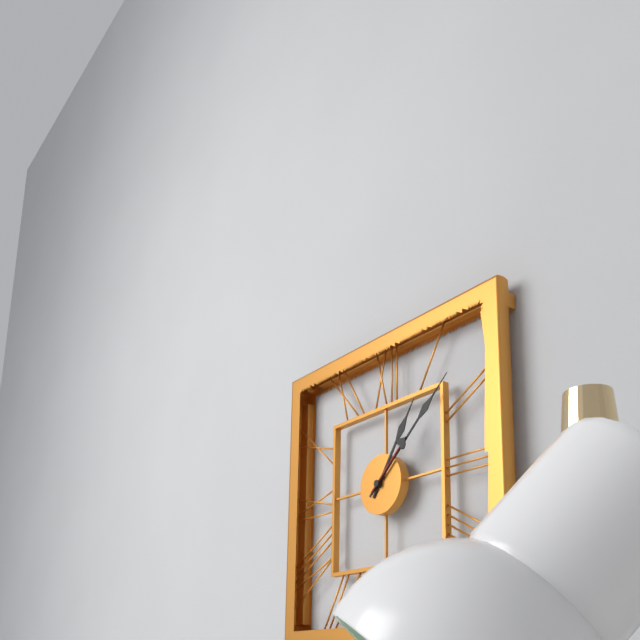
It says 1:08:08
